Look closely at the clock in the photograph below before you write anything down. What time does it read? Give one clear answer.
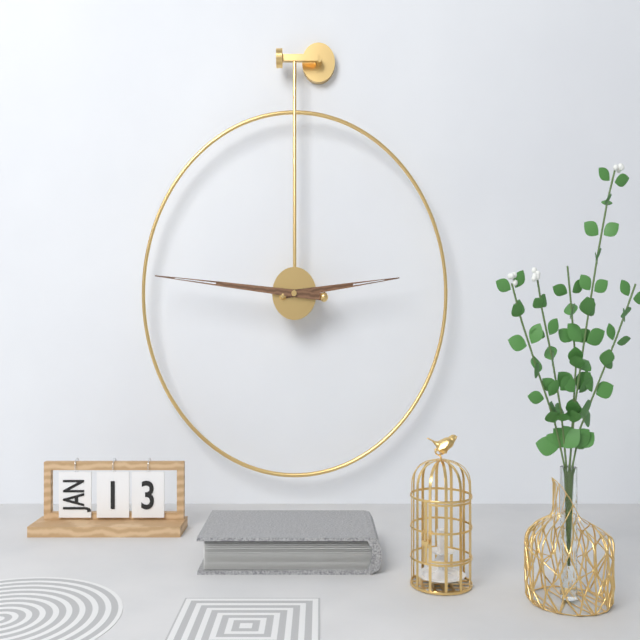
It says 2:46
